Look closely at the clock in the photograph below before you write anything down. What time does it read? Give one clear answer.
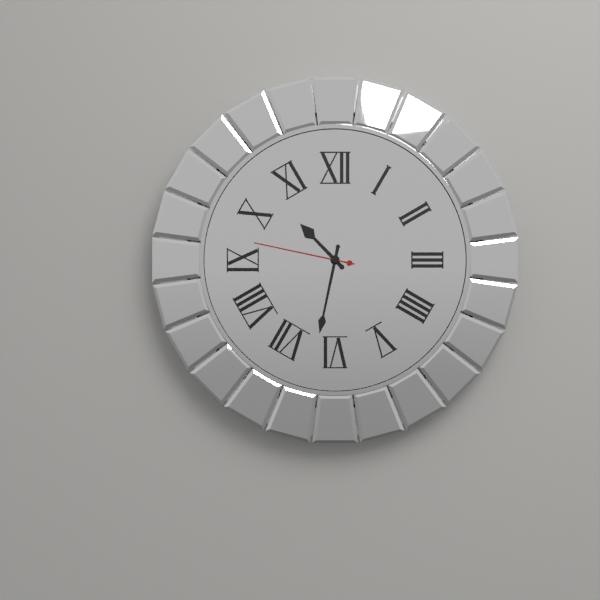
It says 10:32:47
